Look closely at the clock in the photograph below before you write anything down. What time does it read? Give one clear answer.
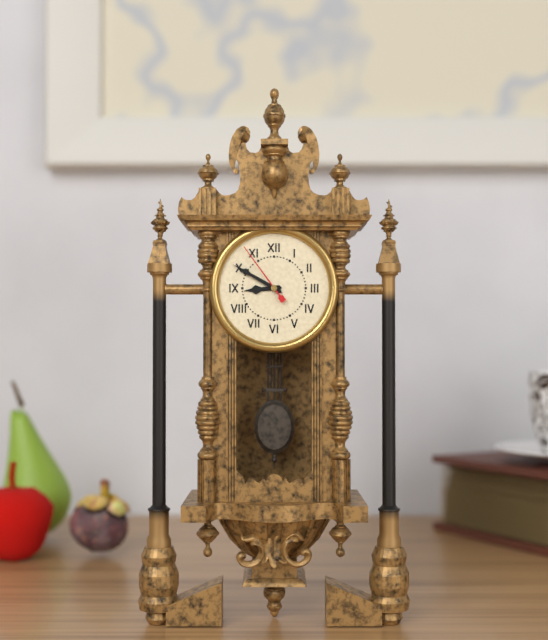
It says 8:50:54
